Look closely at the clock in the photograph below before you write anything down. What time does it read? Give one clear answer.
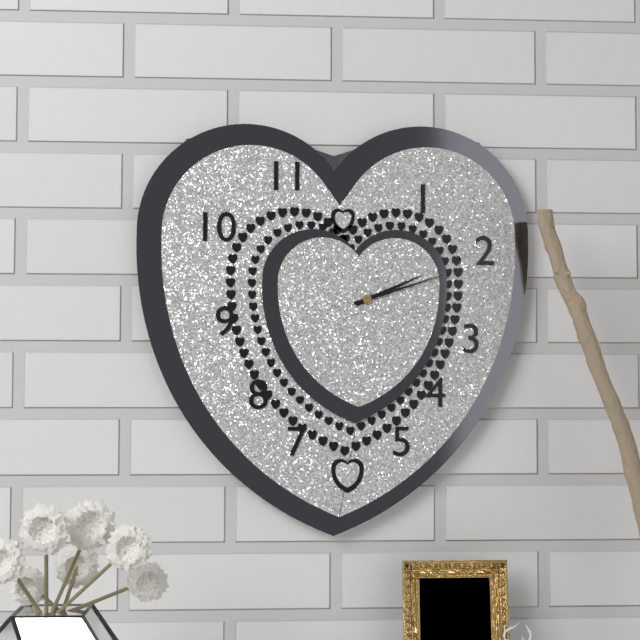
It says 2:12
